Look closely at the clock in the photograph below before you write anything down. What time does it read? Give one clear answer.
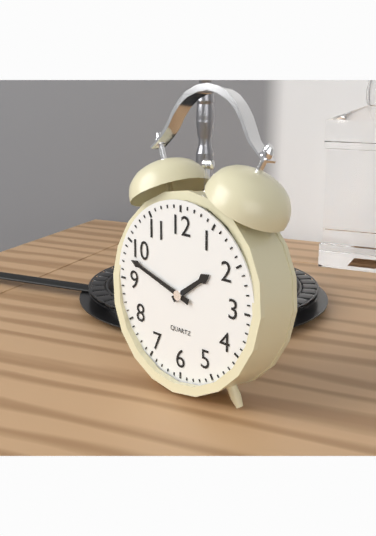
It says 1:48
